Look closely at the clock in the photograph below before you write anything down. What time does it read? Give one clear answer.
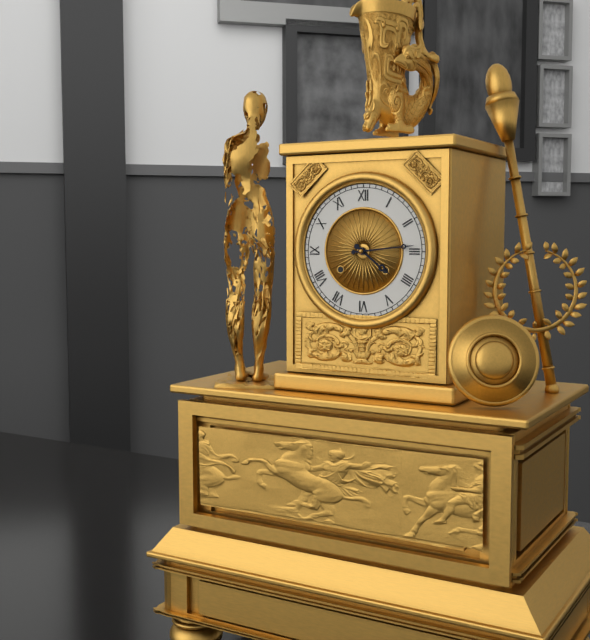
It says 4:14
